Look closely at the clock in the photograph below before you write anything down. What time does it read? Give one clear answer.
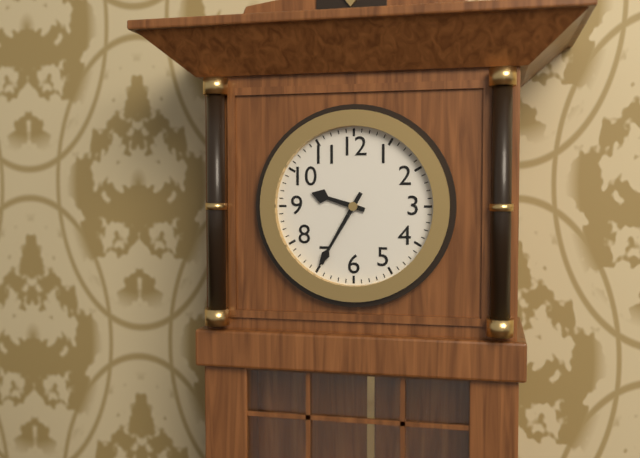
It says 9:35
